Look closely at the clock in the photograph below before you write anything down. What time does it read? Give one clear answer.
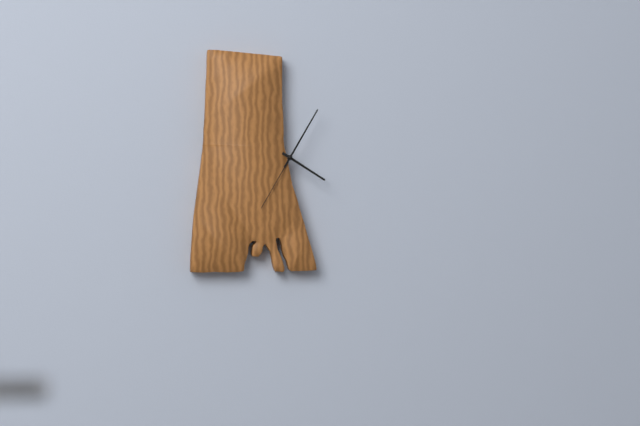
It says 4:05:35
